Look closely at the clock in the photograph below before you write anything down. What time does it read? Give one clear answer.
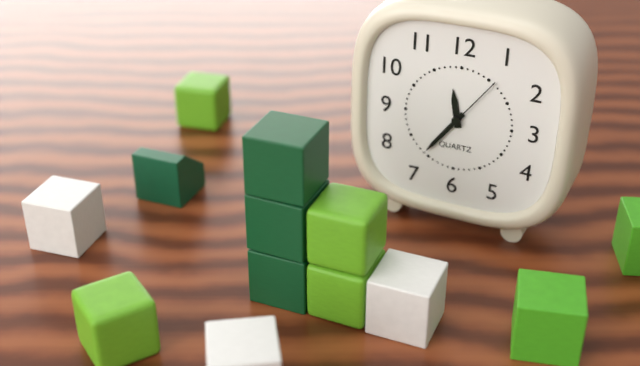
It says 11:36:06
